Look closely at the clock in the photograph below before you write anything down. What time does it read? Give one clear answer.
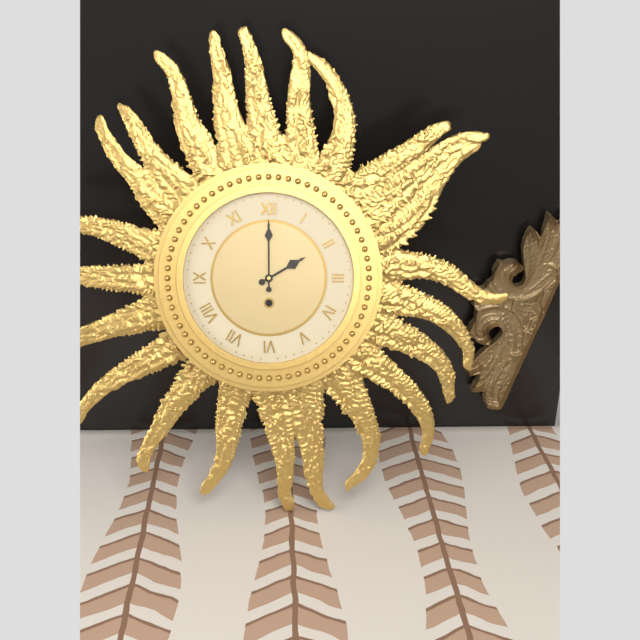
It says 2:00
